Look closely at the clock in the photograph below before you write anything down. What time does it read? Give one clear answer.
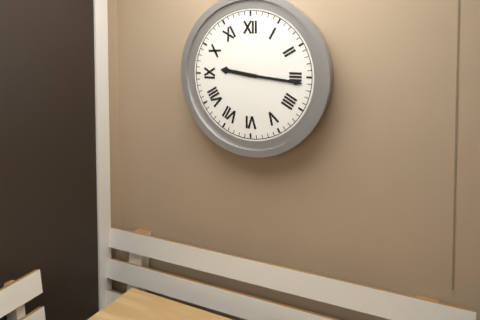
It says 9:16
